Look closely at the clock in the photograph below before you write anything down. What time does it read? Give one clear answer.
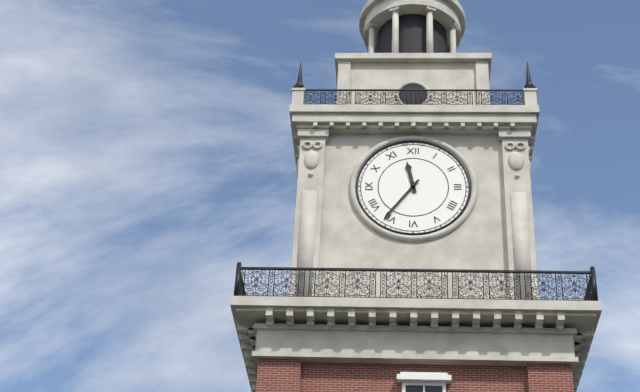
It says 11:36
